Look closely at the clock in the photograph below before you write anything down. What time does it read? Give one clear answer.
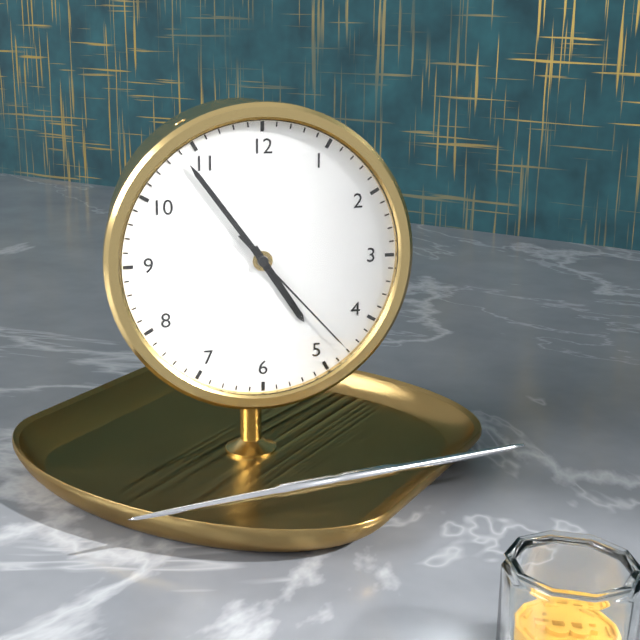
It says 4:54:23
